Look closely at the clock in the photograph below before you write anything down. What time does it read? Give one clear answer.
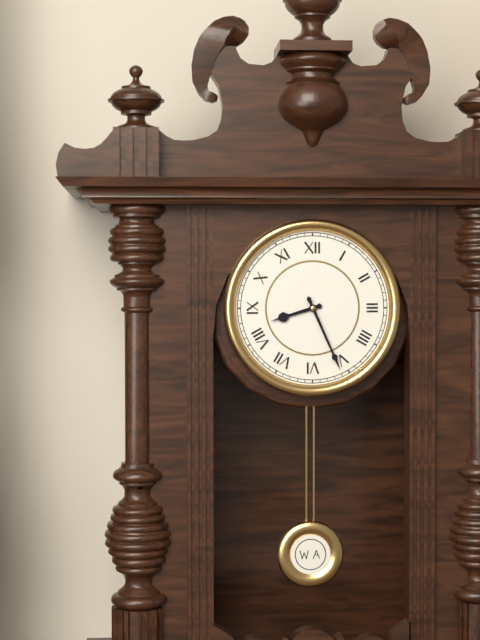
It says 8:26
